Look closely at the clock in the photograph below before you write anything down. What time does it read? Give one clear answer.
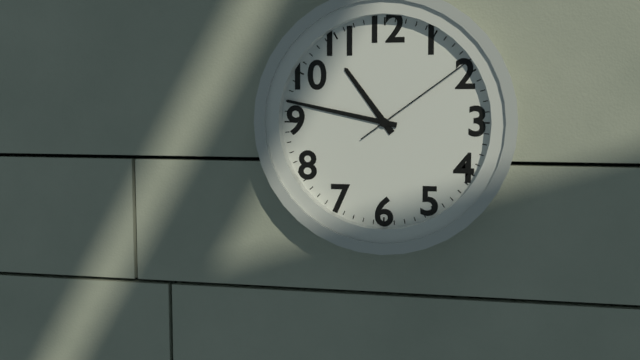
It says 10:47:09
